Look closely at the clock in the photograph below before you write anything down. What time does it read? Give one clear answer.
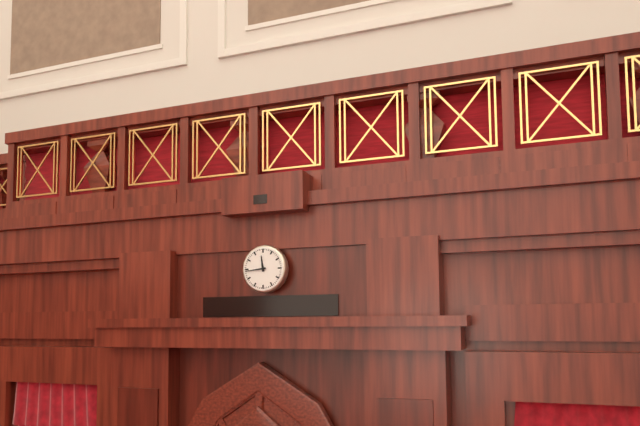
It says 11:44
